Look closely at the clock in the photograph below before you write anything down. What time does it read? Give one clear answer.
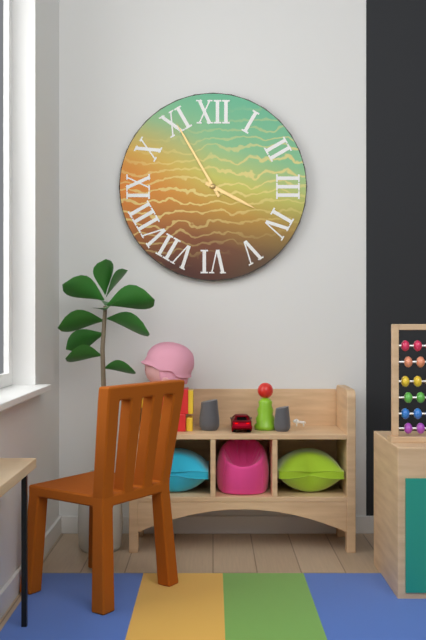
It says 3:55
